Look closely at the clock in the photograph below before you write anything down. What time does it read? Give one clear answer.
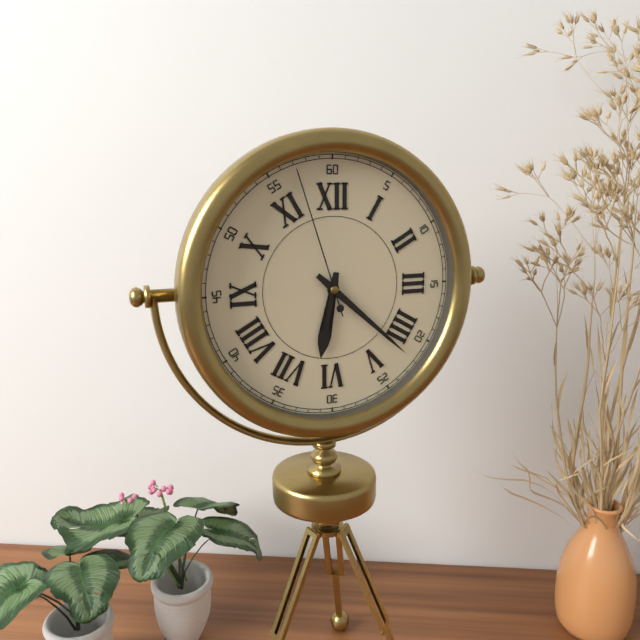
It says 6:22:57
